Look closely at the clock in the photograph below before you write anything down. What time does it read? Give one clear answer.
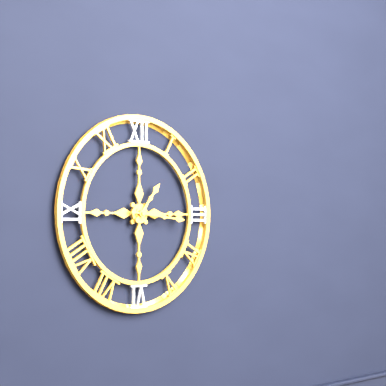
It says 1:16
